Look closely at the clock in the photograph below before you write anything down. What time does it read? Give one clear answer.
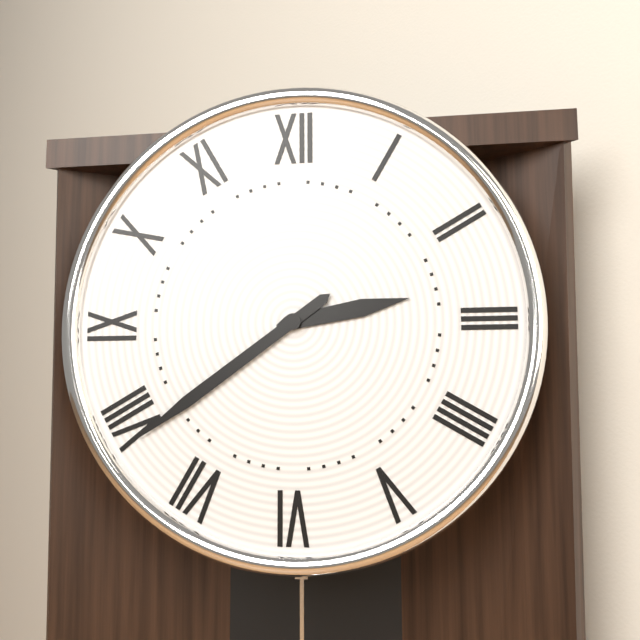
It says 2:39
